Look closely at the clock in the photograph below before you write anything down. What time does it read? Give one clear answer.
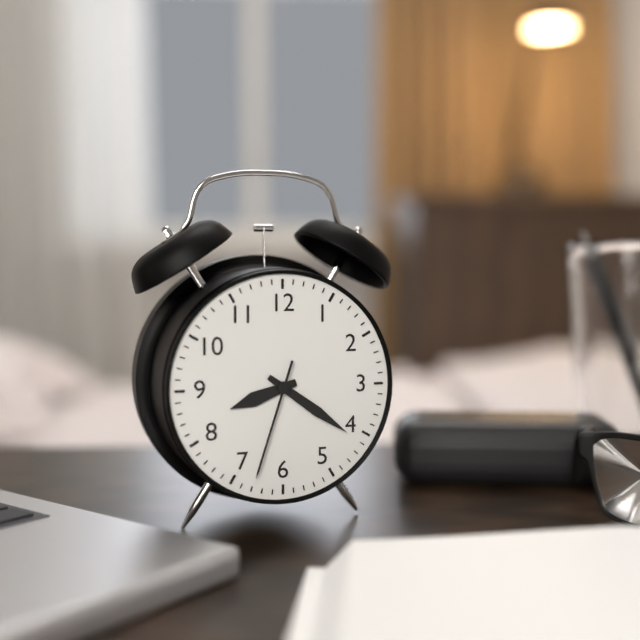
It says 8:21:33
